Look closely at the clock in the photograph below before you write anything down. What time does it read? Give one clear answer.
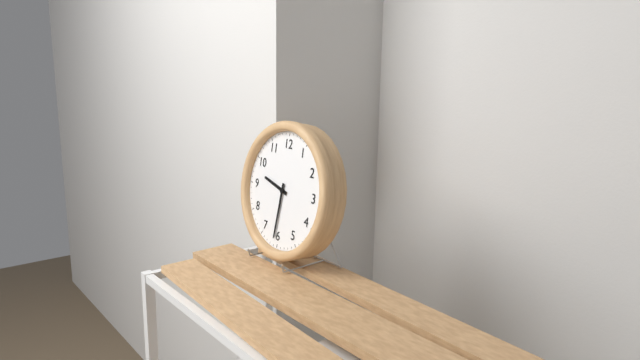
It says 9:31
